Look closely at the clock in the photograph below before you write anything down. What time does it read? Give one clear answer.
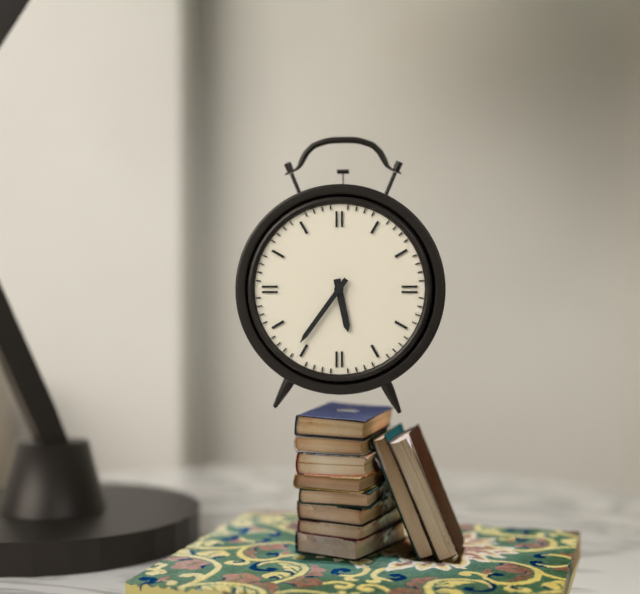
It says 5:36
